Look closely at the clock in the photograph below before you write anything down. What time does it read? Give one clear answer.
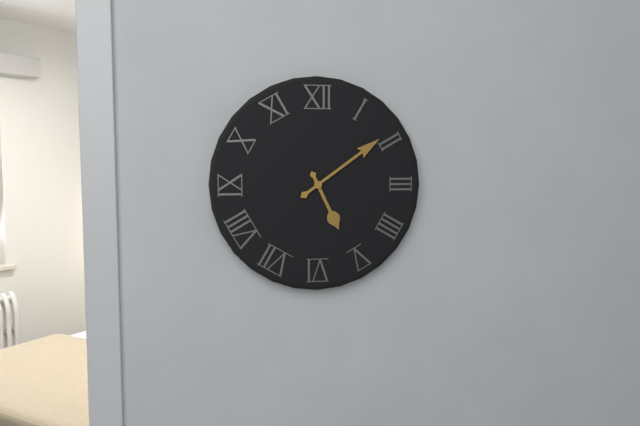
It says 5:09
